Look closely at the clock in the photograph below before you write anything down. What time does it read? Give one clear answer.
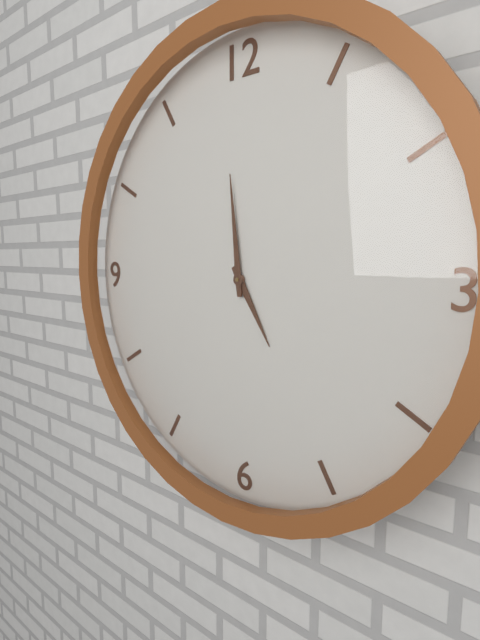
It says 4:59
